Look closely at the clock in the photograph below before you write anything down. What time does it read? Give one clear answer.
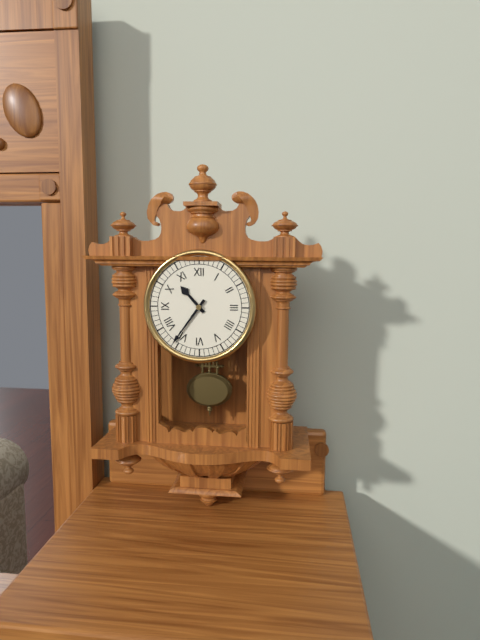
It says 10:36
